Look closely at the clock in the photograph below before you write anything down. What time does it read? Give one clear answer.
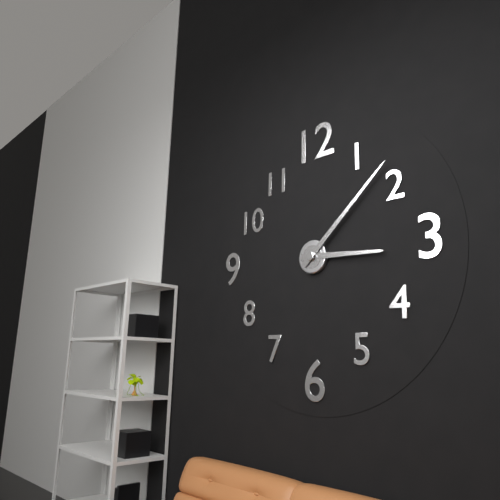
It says 3:08
